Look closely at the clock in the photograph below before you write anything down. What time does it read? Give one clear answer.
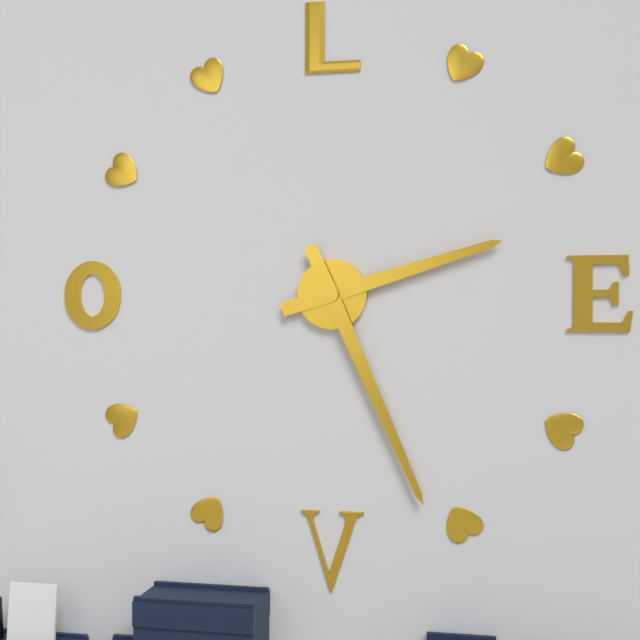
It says 2:26
